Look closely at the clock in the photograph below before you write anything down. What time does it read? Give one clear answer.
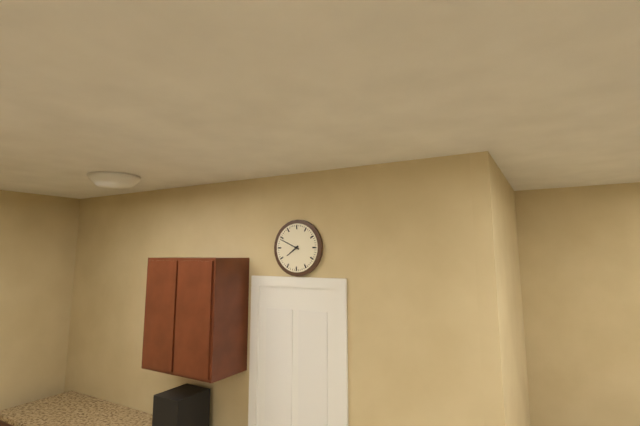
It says 7:49
